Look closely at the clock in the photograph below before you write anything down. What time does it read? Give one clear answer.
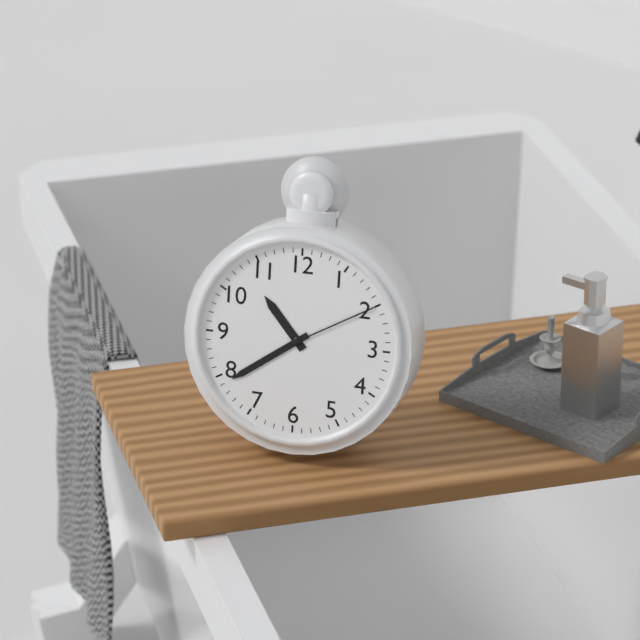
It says 10:39:10
